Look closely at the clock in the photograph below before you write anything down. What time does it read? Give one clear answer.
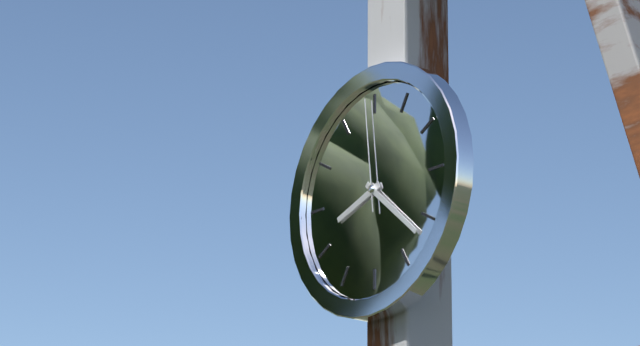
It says 8:22:59
